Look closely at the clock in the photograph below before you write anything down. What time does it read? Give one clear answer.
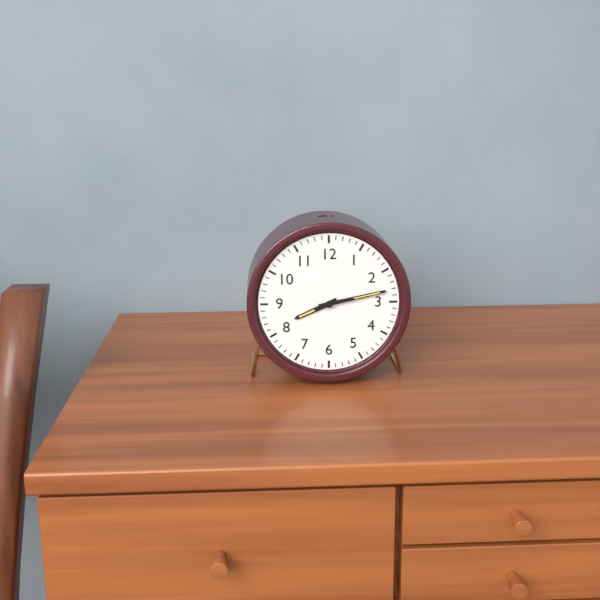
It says 8:13
